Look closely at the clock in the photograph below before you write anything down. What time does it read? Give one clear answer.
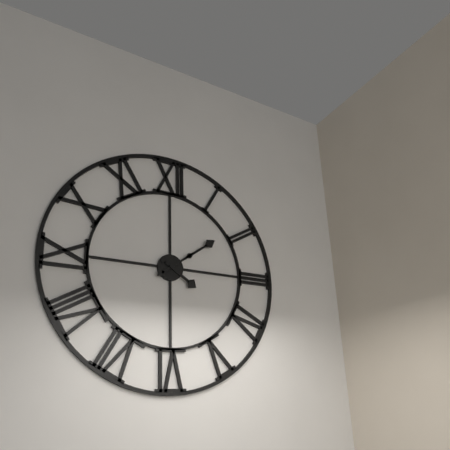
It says 4:09
